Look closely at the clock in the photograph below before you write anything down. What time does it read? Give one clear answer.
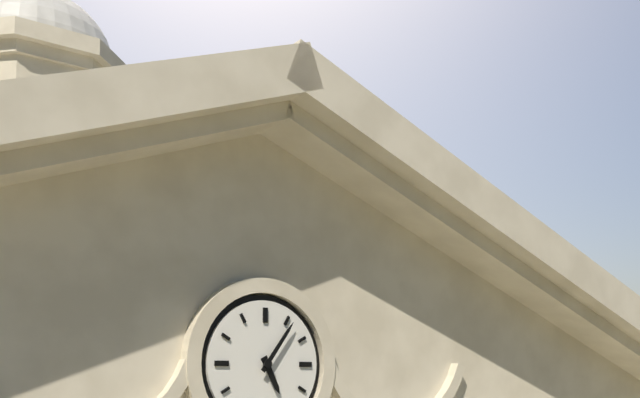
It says 5:06
